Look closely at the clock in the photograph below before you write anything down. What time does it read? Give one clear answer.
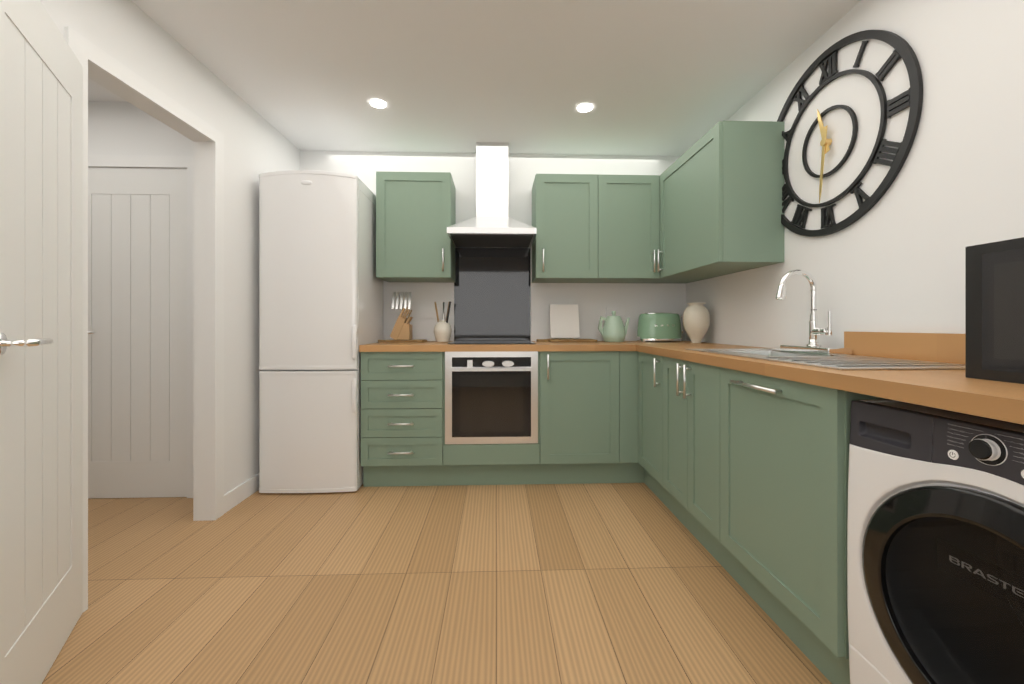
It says 11:31
